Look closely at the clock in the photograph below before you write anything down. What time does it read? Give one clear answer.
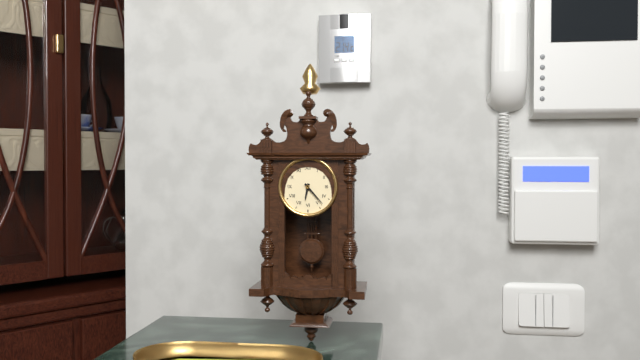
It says 6:23
